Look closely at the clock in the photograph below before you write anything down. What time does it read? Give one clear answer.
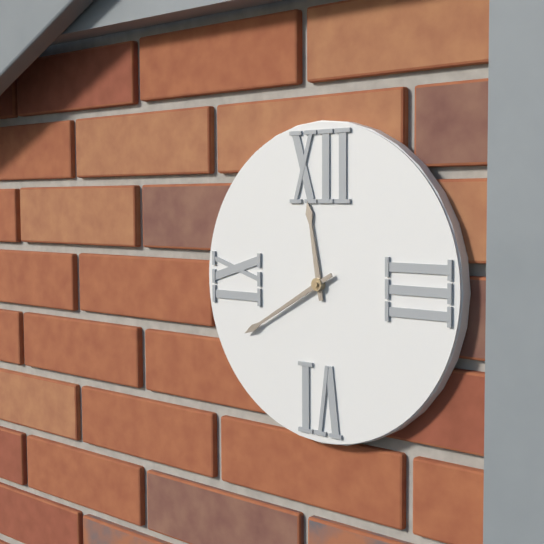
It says 11:40
